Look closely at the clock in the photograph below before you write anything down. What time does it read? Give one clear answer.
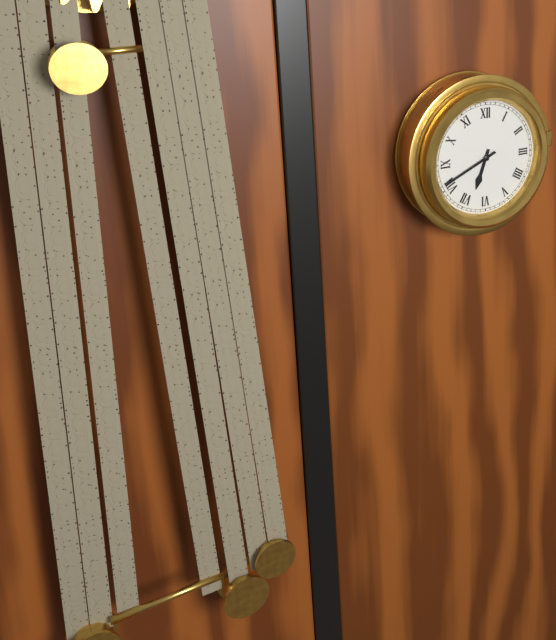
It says 6:41
